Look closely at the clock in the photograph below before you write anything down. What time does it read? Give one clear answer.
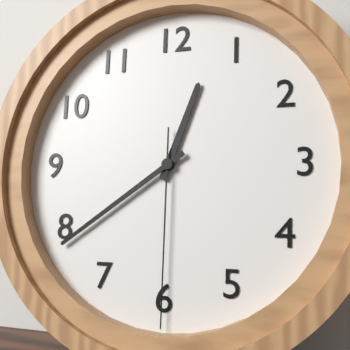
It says 12:39:30
